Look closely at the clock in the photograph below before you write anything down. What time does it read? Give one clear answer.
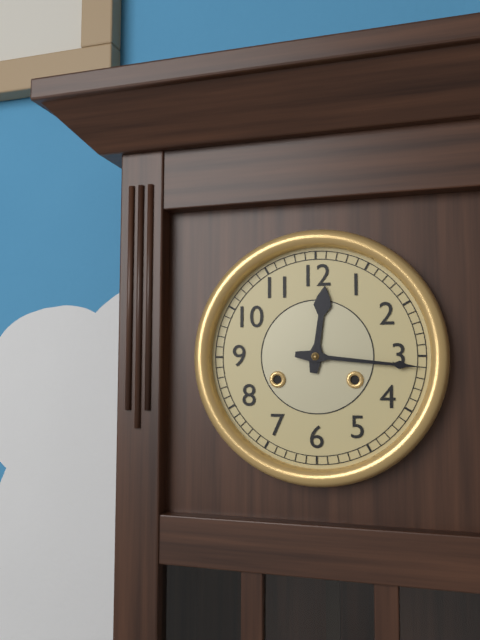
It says 12:16
